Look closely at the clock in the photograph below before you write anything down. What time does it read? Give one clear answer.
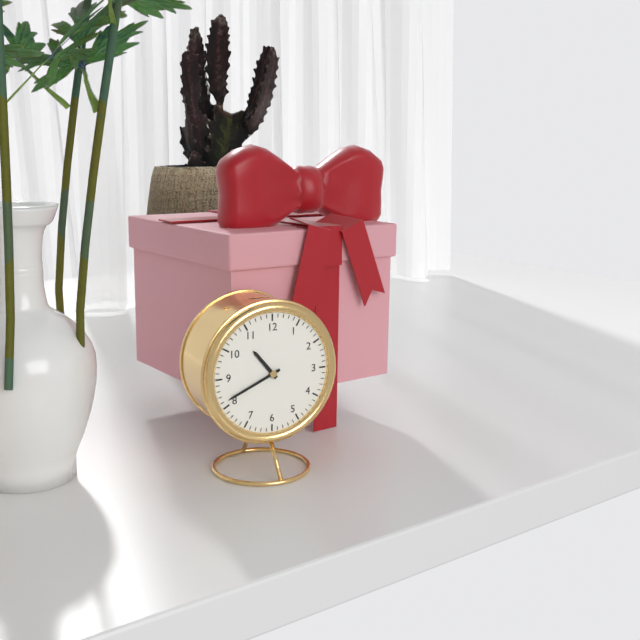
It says 10:41
